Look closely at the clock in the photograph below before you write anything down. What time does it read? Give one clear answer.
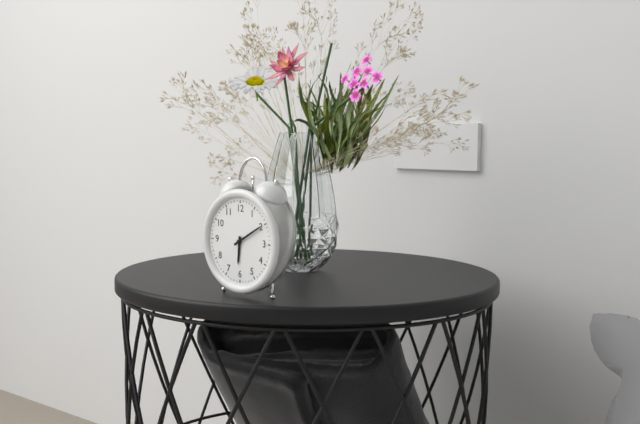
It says 6:10
